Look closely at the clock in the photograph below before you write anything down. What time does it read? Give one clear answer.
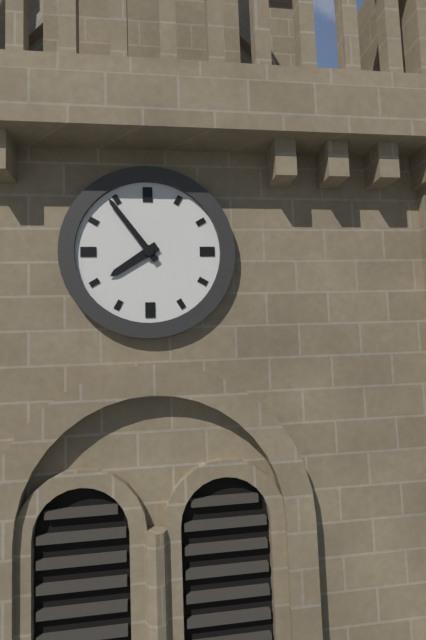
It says 7:54
